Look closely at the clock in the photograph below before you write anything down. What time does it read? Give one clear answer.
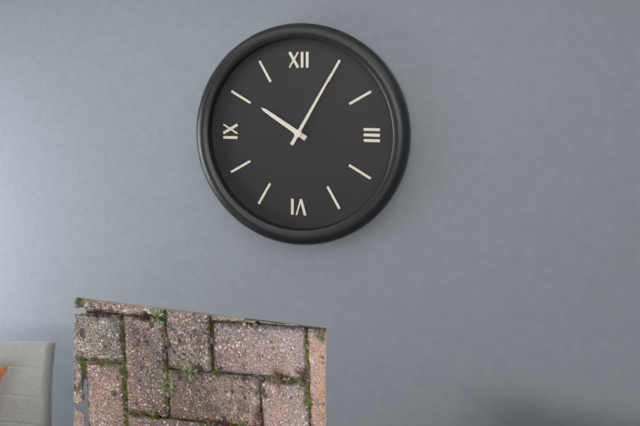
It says 10:05
